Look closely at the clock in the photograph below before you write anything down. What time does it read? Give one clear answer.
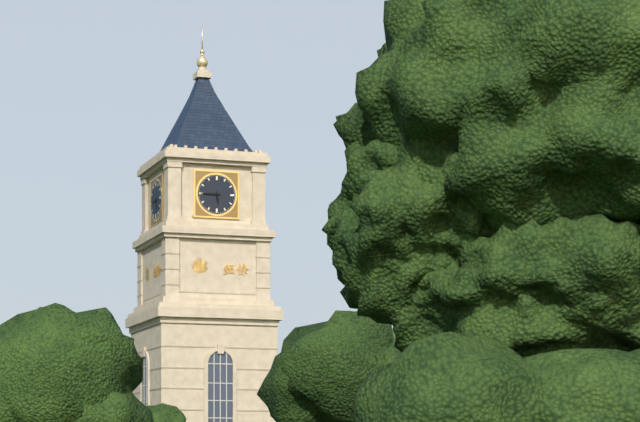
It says 5:45
